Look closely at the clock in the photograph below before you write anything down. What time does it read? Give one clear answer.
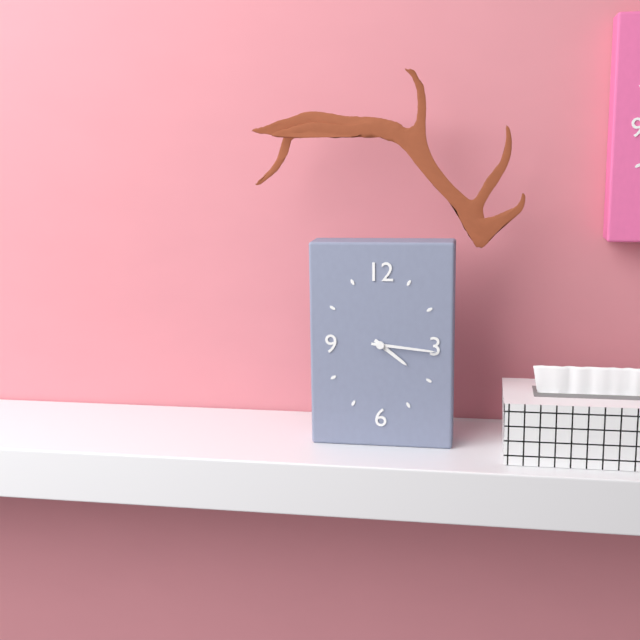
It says 4:16
